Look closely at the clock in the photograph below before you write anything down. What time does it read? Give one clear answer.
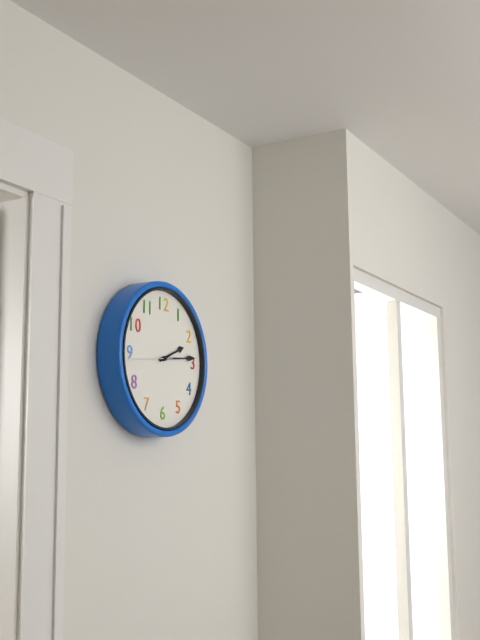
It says 2:14
